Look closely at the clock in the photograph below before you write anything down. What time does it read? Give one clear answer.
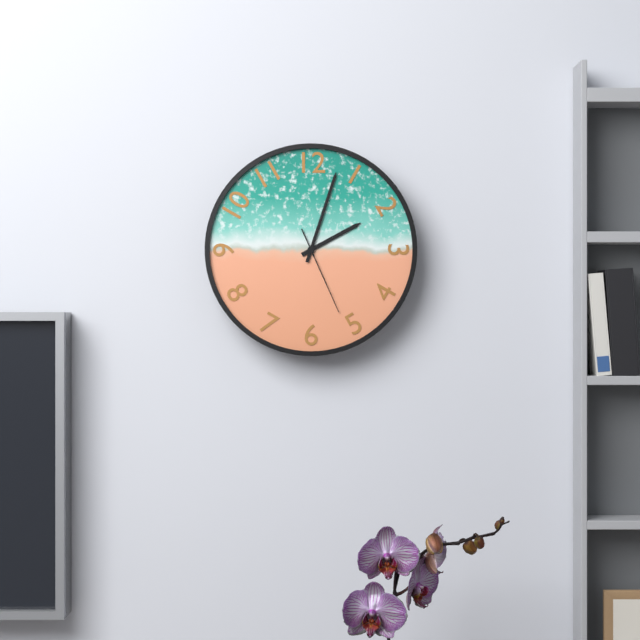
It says 2:03:26
